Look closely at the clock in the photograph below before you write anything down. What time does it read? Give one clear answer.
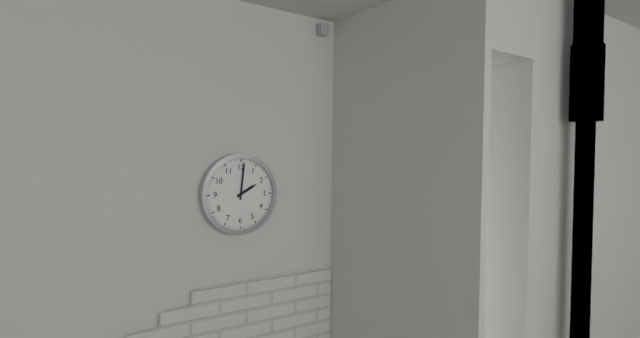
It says 2:01
